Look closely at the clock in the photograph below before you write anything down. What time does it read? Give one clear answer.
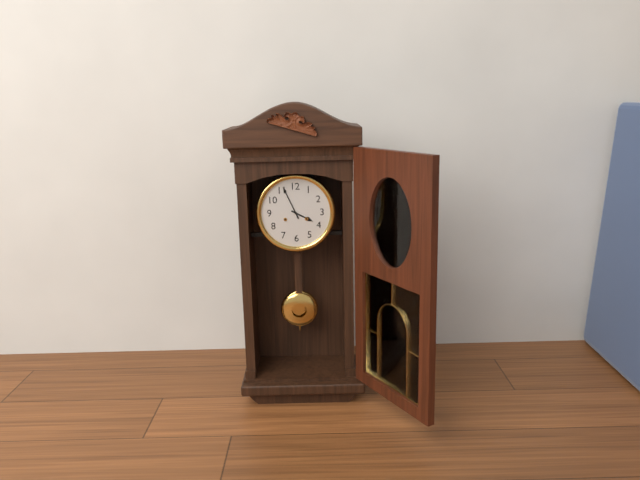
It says 3:56
